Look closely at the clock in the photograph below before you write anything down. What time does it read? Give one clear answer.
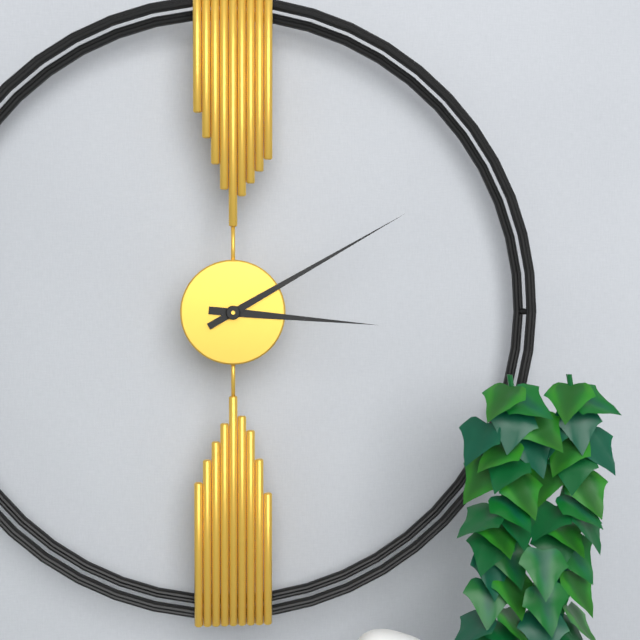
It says 3:10
